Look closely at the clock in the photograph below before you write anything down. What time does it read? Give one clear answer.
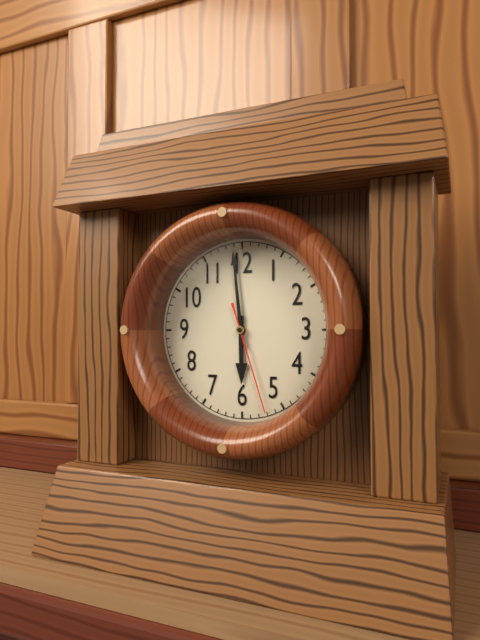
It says 5:59:27
